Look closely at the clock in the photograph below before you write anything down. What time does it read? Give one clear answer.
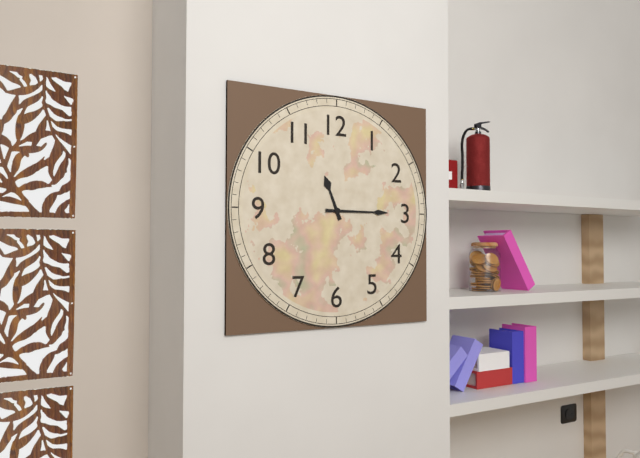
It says 11:15
